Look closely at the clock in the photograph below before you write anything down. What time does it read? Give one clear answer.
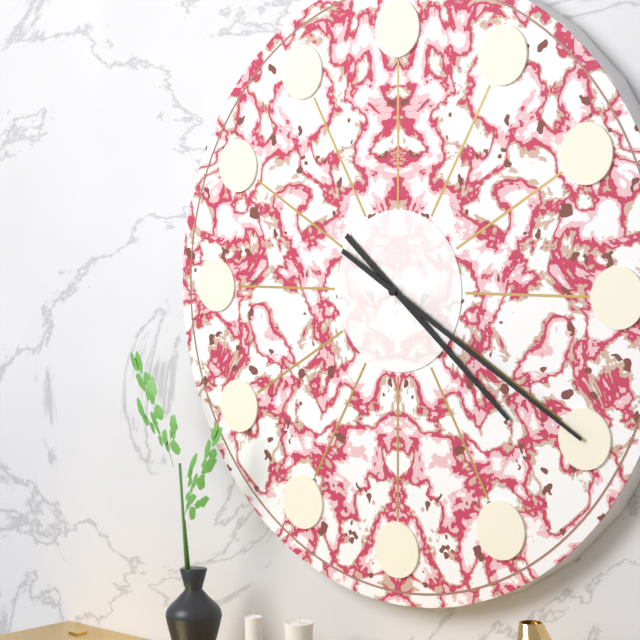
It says 4:20
